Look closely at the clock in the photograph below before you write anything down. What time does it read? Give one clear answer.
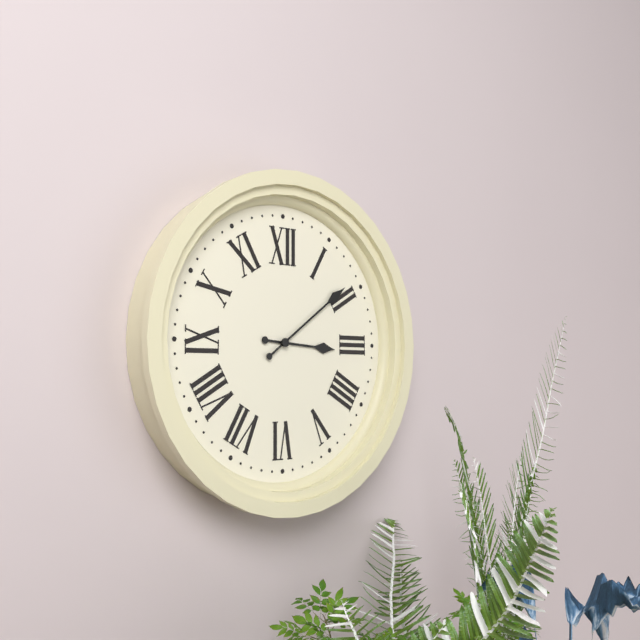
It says 3:09
